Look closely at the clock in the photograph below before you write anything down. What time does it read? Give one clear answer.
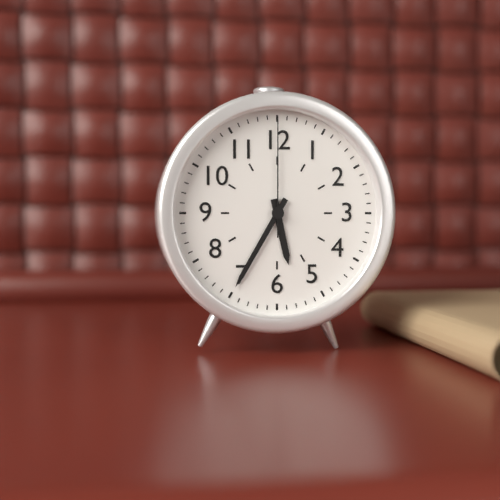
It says 5:35:00
